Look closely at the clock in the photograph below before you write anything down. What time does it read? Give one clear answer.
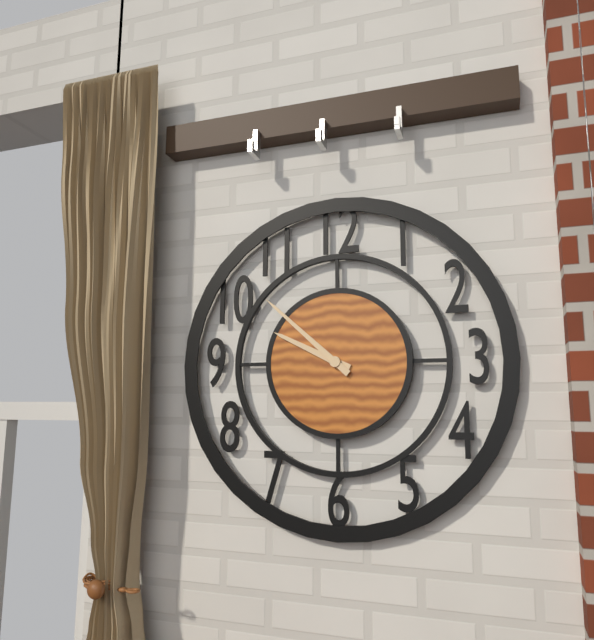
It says 9:52
